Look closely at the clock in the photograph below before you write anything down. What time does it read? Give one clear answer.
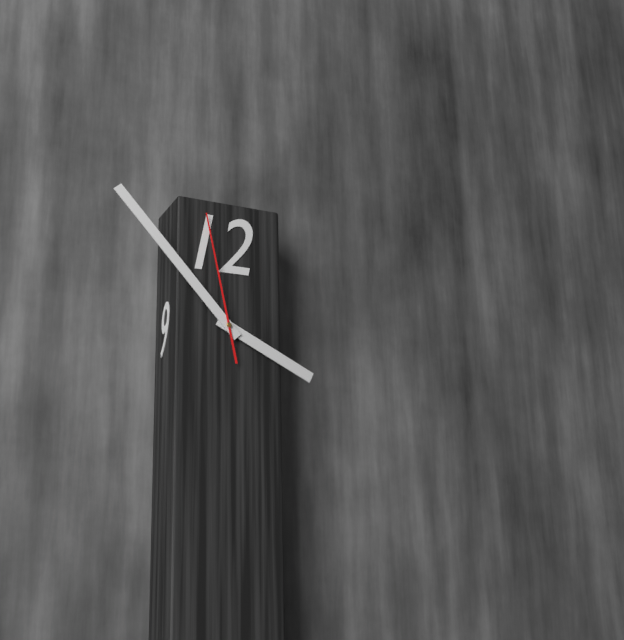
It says 3:53:58
